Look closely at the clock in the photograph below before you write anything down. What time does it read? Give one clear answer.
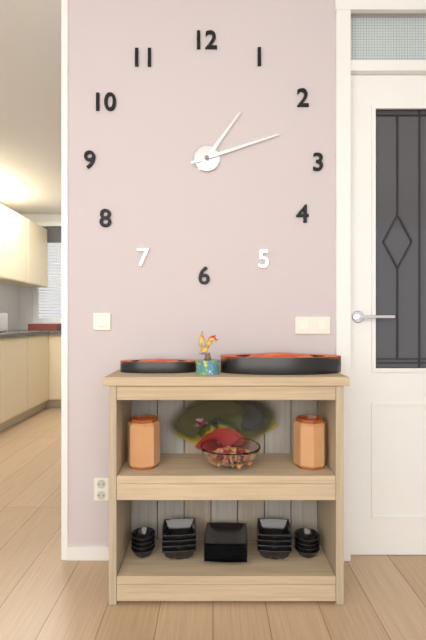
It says 1:12
